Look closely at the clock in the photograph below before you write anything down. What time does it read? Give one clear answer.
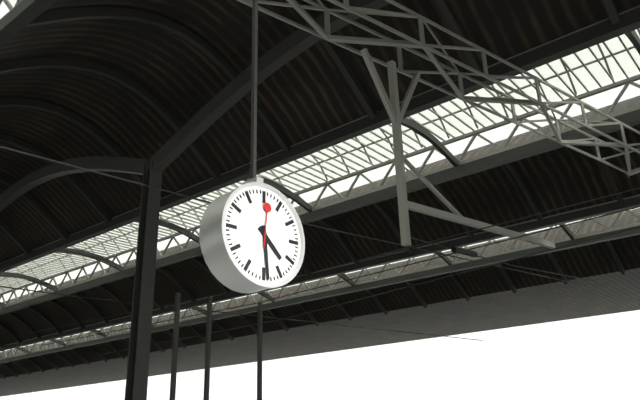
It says 4:29
